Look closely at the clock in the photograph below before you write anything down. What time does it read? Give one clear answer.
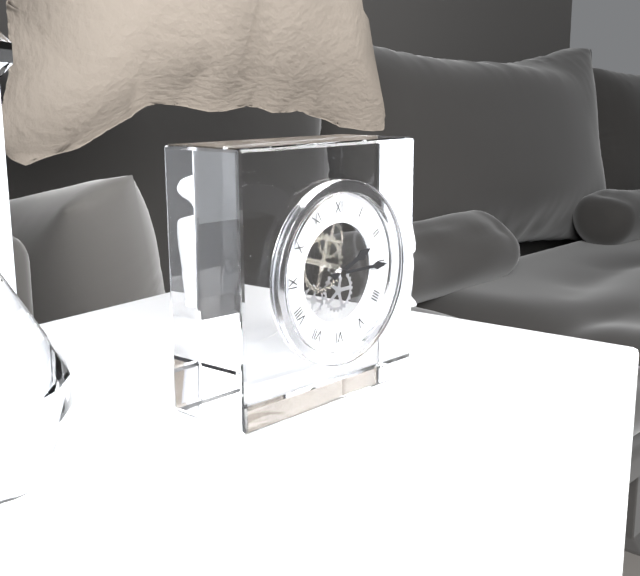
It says 2:15
